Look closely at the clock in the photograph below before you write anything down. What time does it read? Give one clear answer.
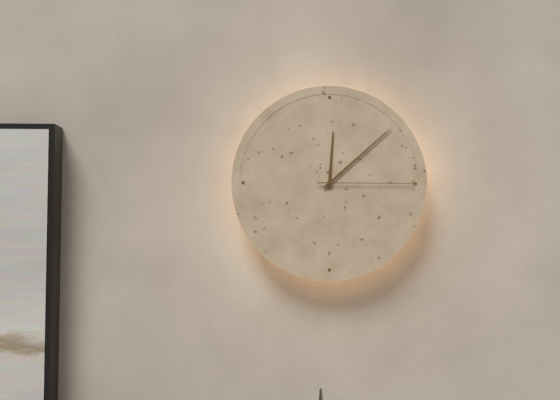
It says 12:08:15
